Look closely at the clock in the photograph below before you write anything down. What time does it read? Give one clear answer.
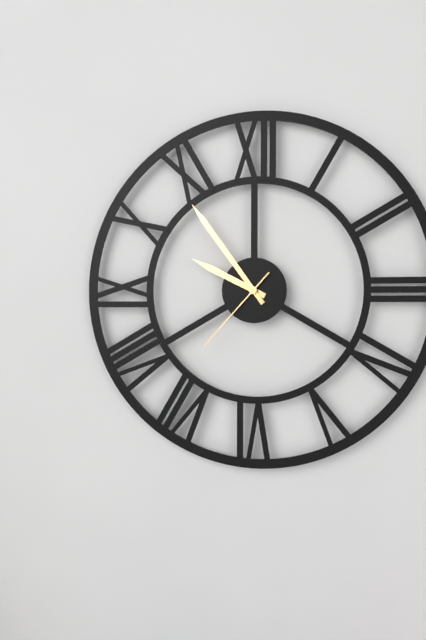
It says 9:54:37
